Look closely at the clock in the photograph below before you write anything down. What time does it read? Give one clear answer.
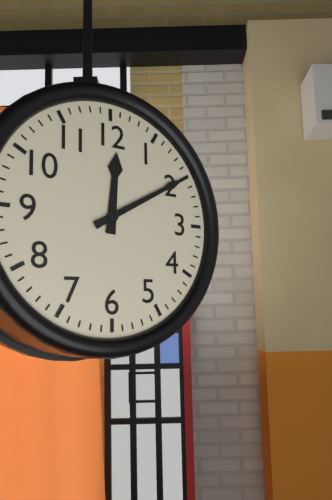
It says 12:10
